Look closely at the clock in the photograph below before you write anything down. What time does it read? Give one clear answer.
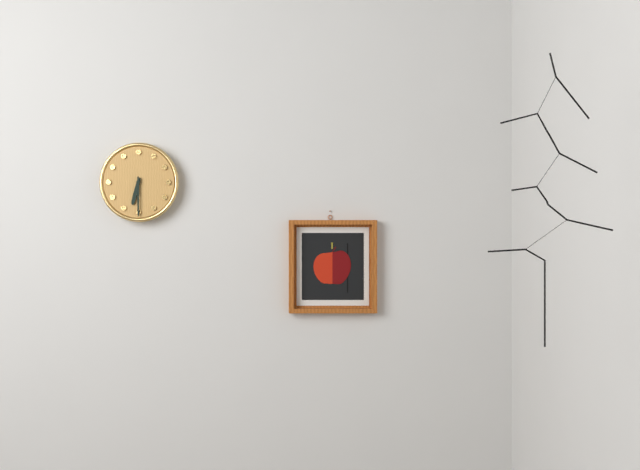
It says 6:30
